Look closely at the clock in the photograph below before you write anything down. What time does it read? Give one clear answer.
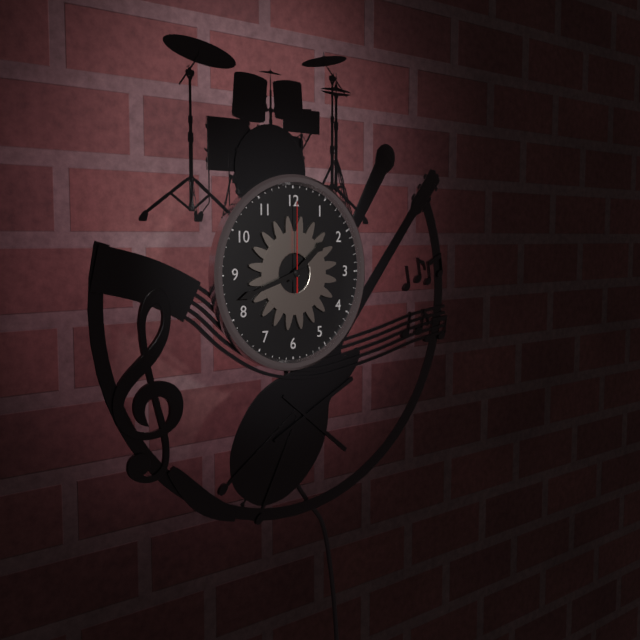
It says 1:42:00
